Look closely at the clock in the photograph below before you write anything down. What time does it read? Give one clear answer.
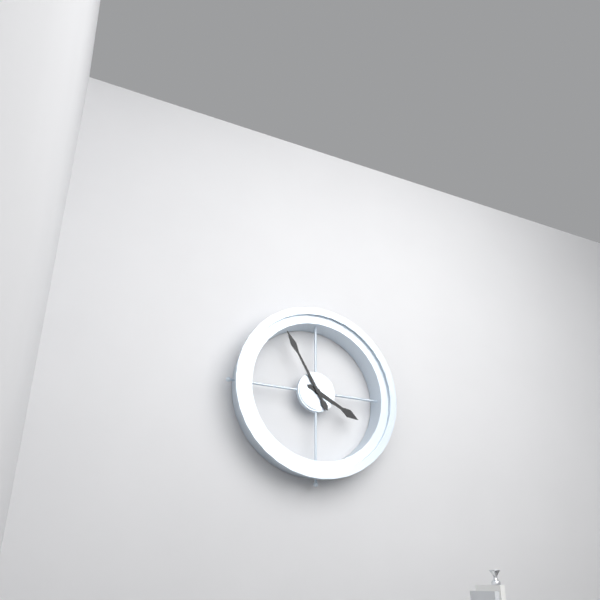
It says 3:55
